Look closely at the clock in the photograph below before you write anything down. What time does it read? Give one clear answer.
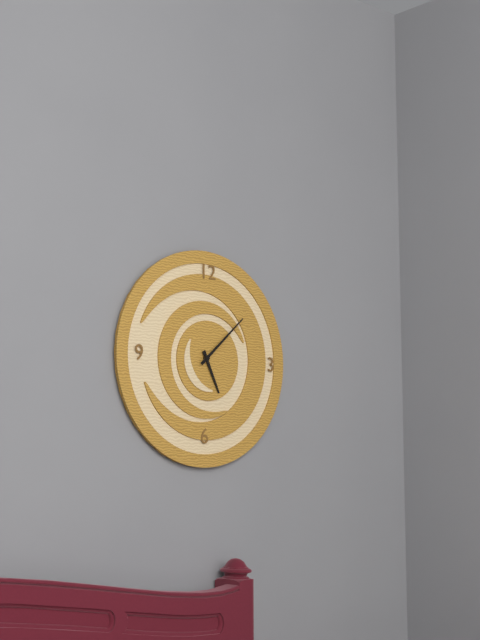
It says 5:08
